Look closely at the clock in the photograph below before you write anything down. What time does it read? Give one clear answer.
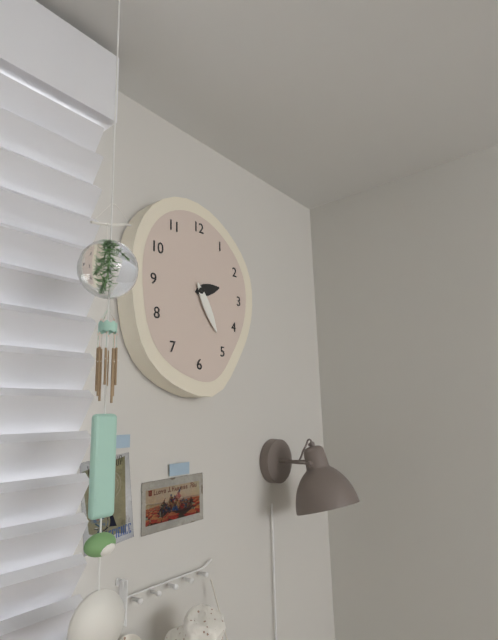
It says 2:25
